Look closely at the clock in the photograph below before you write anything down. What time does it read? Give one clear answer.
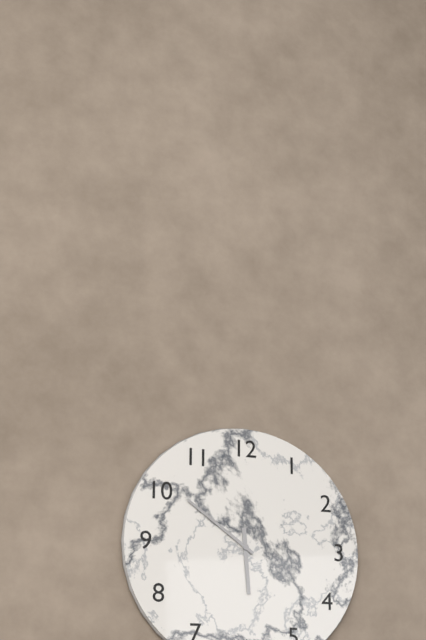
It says 5:51
